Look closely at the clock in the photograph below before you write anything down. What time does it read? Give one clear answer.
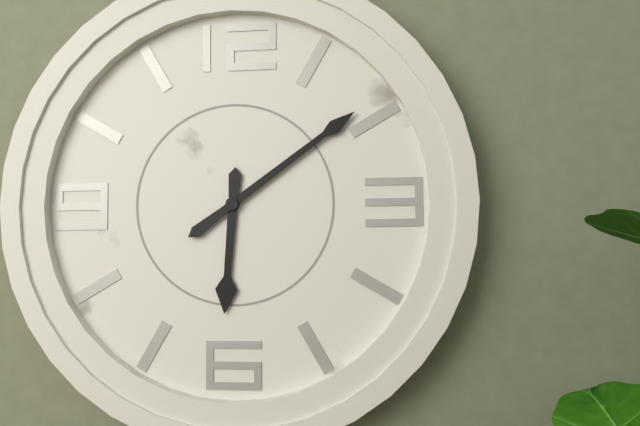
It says 6:09
